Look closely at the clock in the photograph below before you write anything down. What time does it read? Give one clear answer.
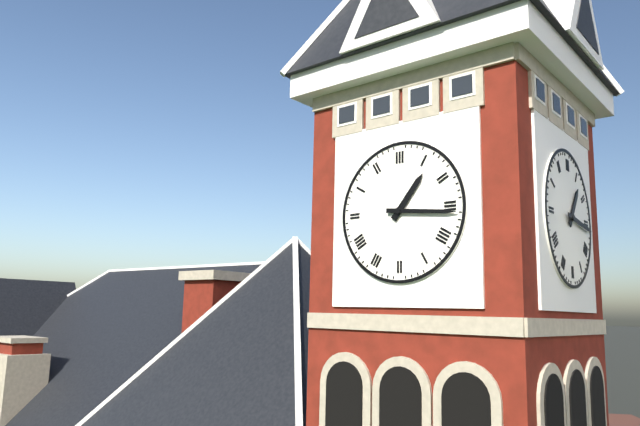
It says 1:16
